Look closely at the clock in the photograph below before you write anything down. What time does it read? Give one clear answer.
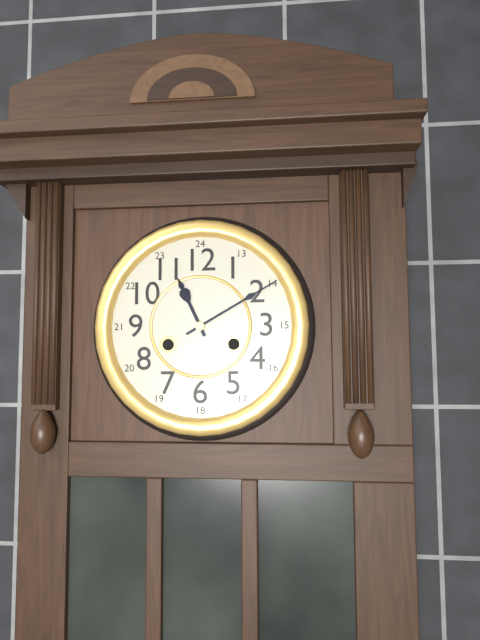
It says 11:10
